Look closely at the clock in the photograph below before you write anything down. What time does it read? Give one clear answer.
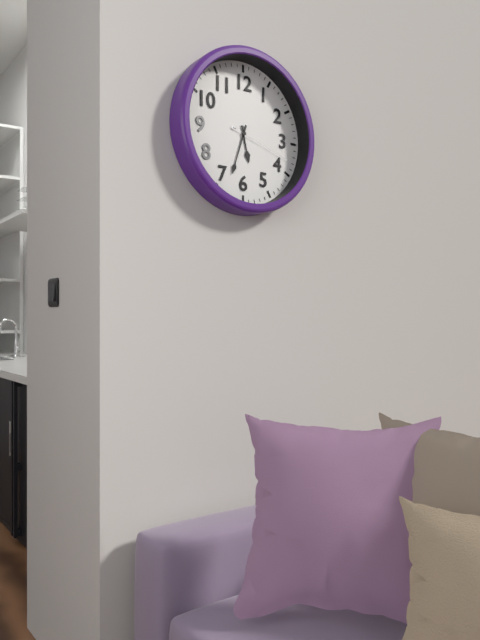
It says 5:33:18
